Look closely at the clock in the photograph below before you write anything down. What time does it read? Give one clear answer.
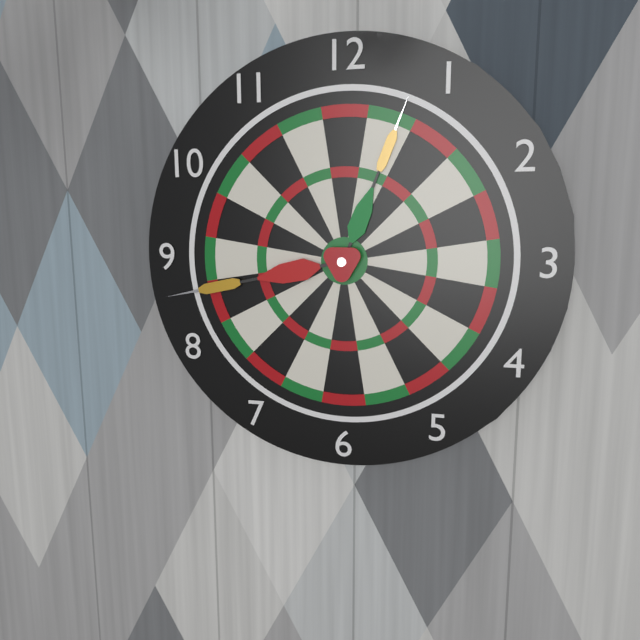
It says 12:43
